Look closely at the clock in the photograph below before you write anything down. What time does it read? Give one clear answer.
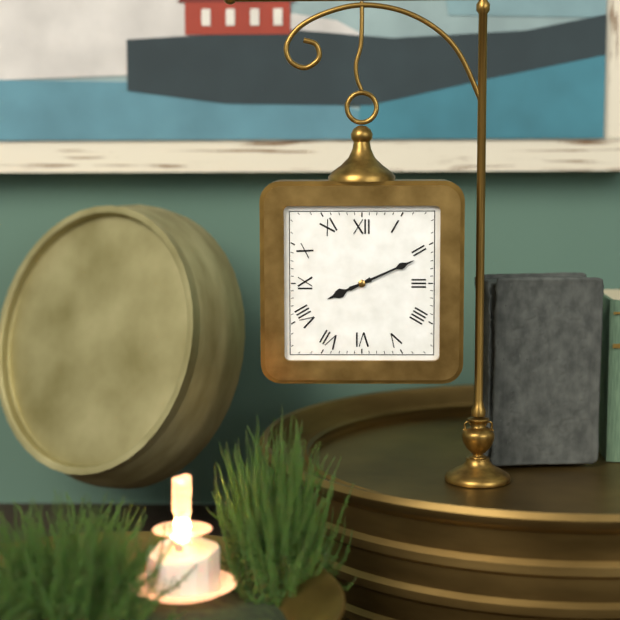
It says 8:11
